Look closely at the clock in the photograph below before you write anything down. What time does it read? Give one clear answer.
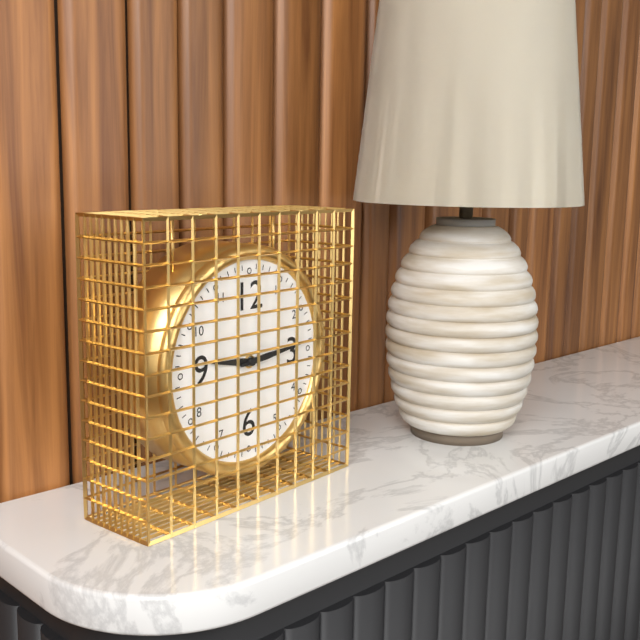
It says 9:14
